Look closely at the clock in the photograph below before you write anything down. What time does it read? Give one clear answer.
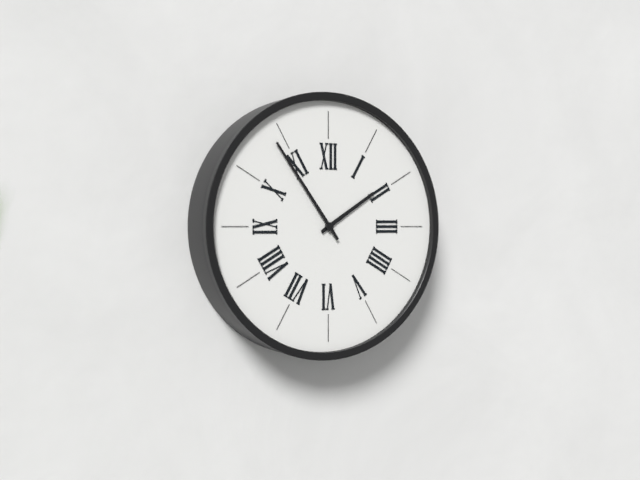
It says 1:54
